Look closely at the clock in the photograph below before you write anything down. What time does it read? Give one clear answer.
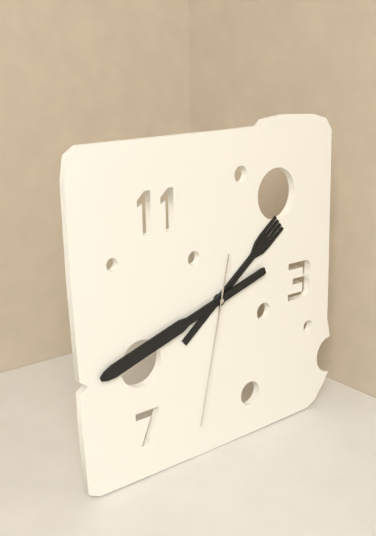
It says 1:42:32
